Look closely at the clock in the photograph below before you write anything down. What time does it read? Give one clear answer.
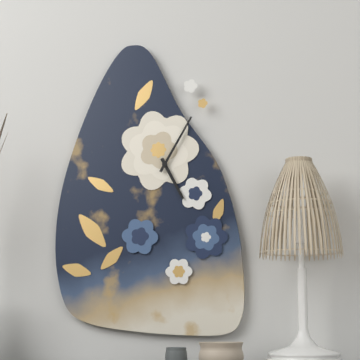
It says 5:05
